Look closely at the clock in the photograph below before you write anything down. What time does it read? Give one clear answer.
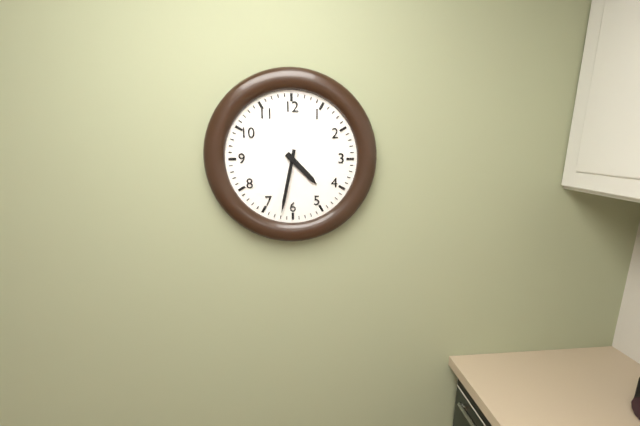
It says 4:32
